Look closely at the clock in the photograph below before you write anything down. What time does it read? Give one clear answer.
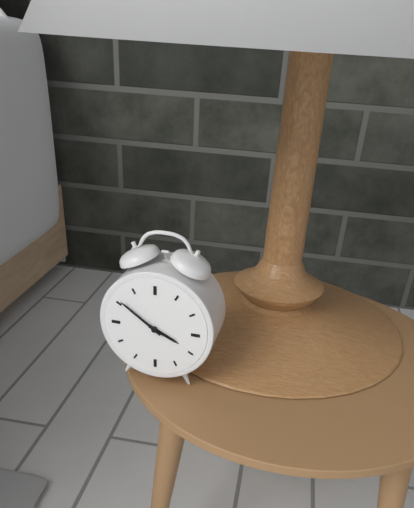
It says 3:51
